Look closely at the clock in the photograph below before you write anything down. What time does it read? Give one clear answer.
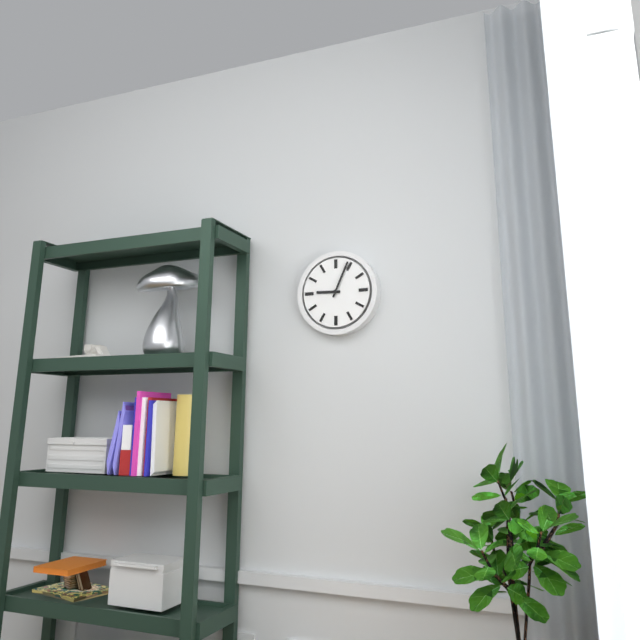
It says 9:04
